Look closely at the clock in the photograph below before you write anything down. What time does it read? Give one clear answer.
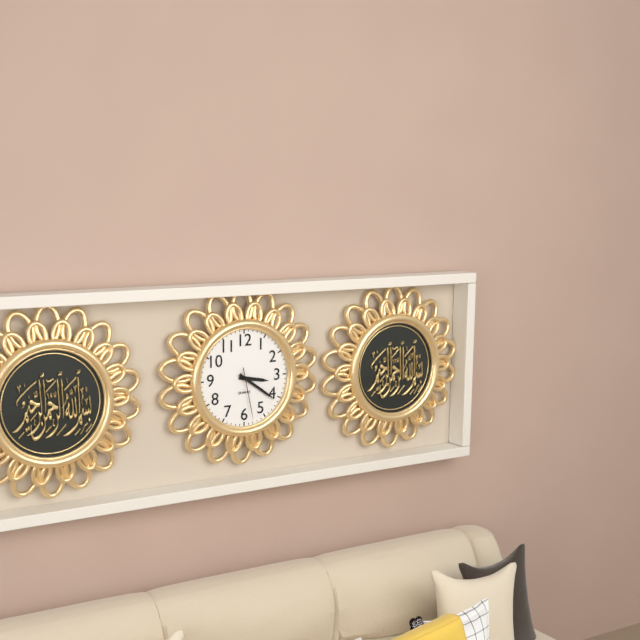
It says 3:21:28
